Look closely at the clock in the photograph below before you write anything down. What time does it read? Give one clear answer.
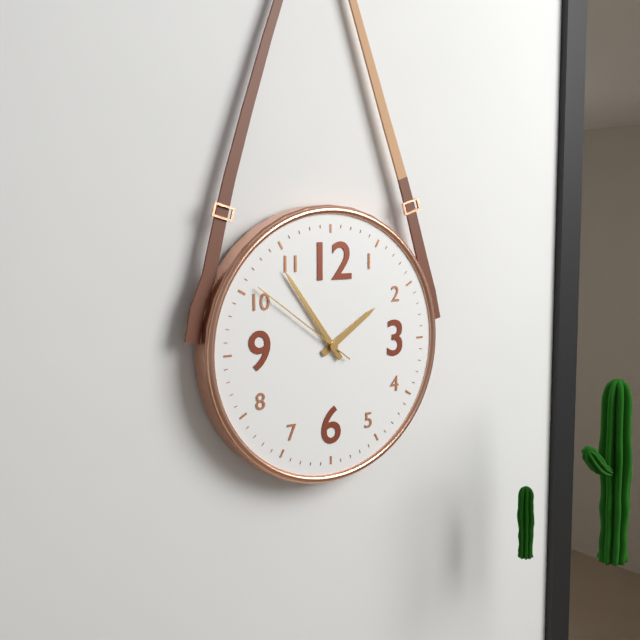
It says 1:54:51
